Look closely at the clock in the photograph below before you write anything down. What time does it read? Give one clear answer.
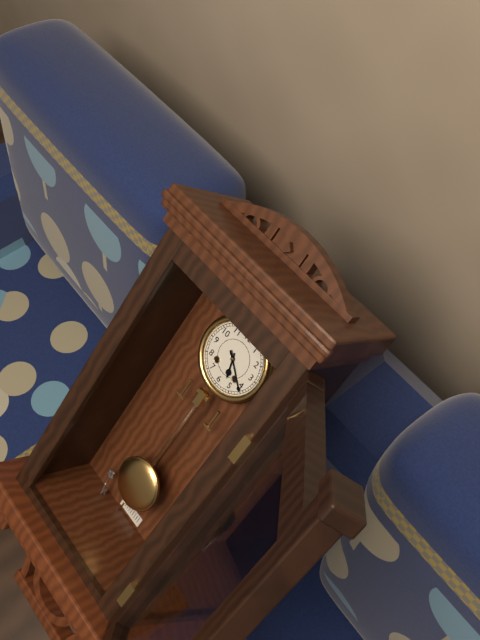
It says 5:21
